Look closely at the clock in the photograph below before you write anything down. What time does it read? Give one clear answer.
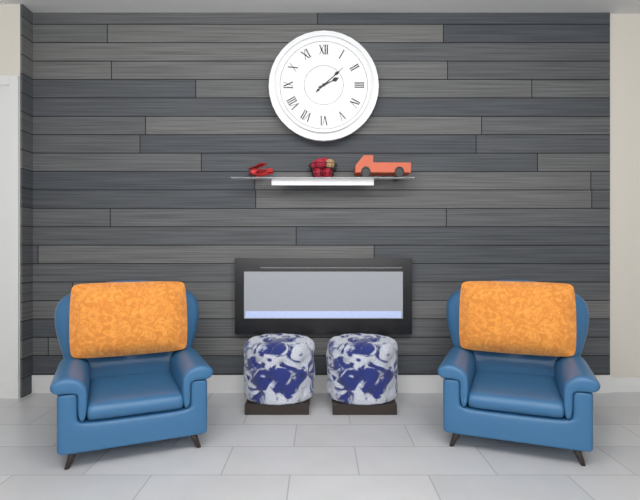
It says 2:08
